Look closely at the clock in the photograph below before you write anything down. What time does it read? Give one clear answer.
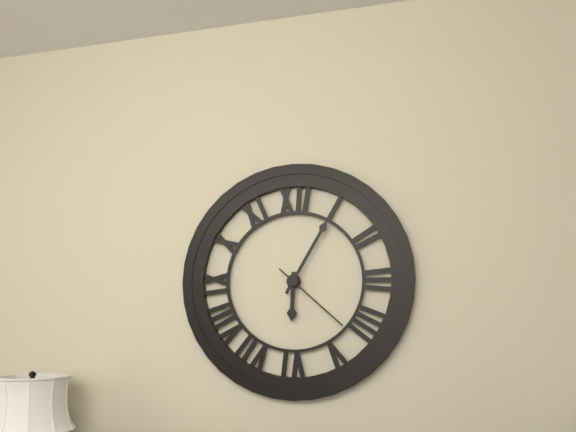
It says 6:05:22
